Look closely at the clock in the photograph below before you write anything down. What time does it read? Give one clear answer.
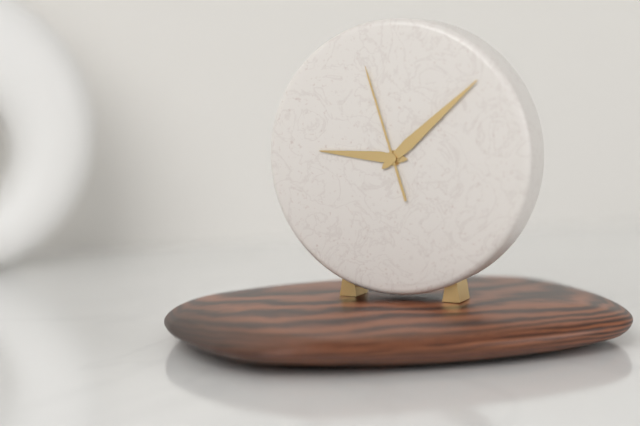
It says 9:08:57
